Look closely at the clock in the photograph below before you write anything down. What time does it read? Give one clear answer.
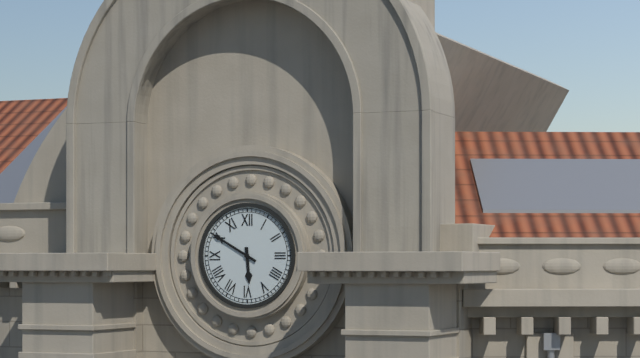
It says 5:50
